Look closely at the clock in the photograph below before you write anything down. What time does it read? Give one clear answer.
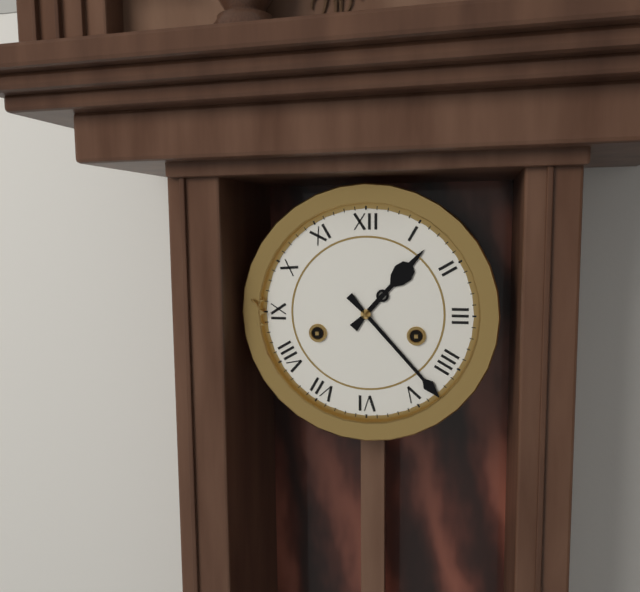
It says 1:23
